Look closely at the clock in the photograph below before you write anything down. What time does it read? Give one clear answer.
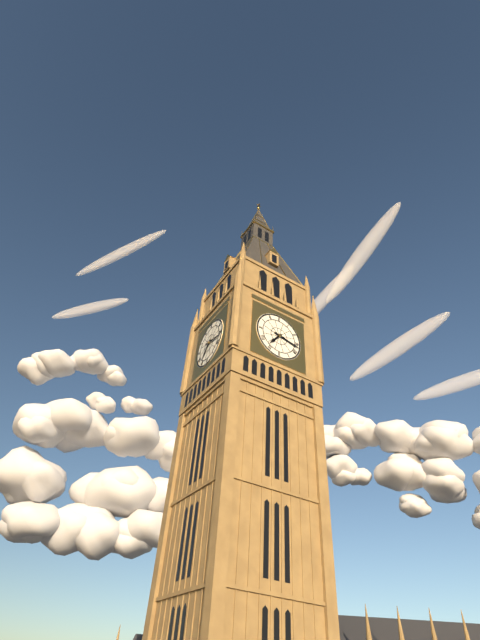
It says 7:17
